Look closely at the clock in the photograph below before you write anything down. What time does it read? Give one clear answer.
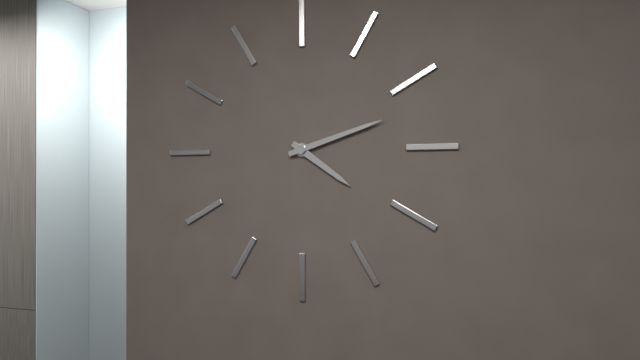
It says 4:12
